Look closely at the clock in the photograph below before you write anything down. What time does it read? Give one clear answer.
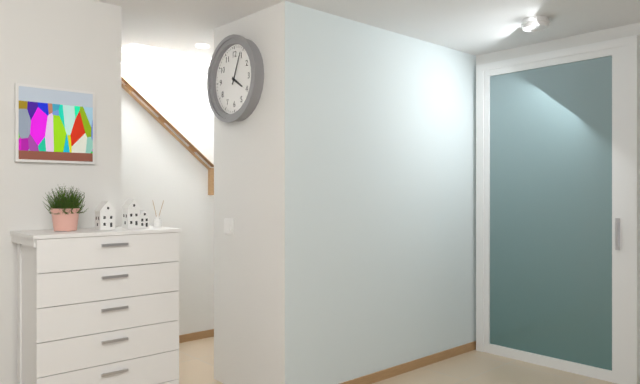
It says 4:04
